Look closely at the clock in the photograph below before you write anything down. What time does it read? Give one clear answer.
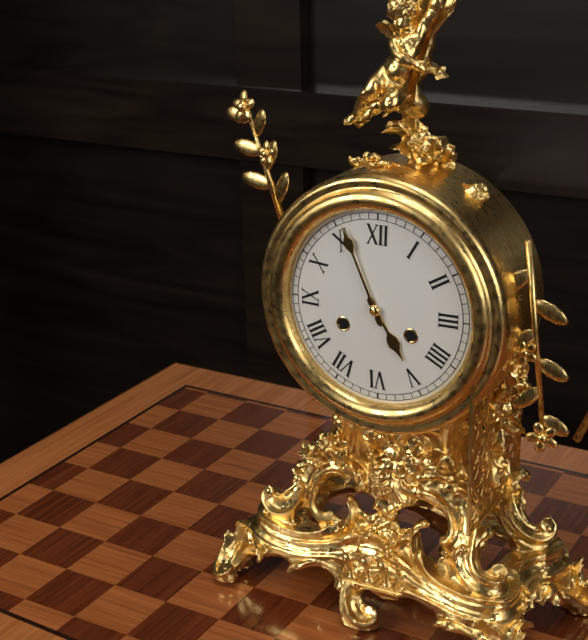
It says 4:56
